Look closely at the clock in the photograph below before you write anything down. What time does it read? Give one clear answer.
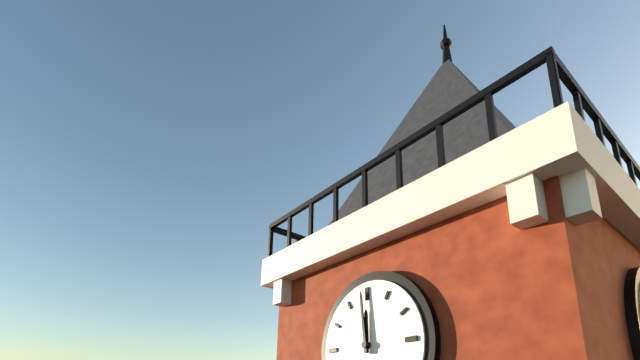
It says 11:59
